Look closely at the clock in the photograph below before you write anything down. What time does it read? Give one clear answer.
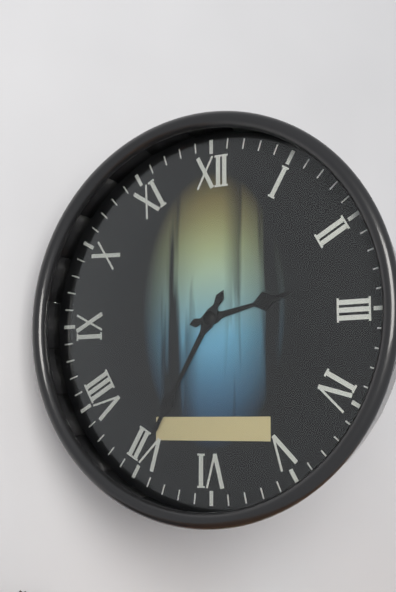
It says 2:35
